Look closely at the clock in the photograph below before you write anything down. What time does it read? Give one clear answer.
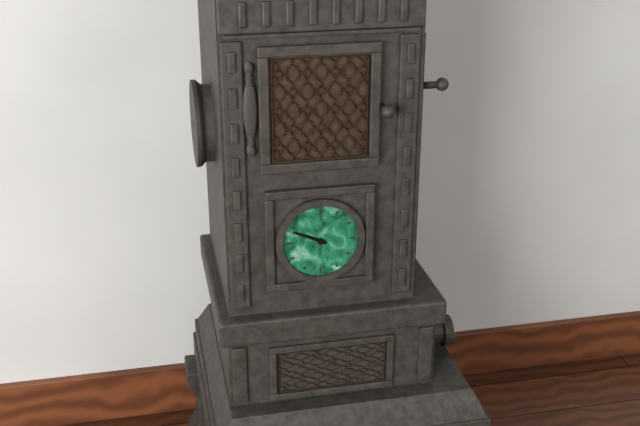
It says 9:49
